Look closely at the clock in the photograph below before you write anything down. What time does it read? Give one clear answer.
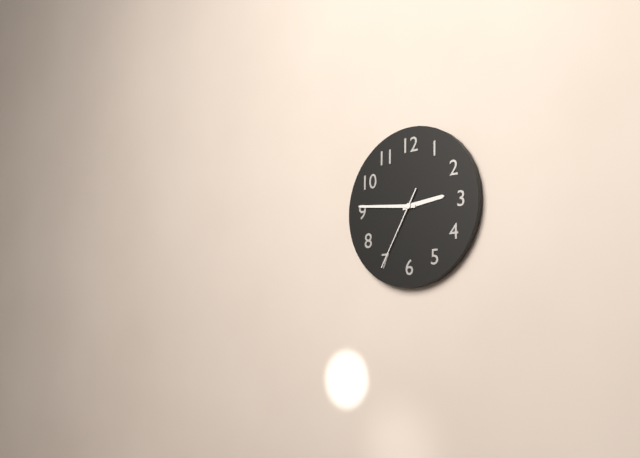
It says 2:46:35
